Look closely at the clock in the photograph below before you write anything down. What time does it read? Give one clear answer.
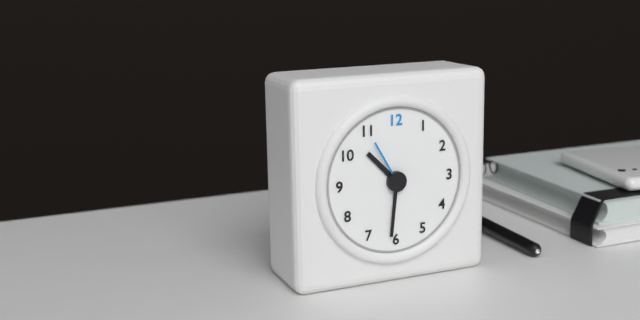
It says 10:31:55
